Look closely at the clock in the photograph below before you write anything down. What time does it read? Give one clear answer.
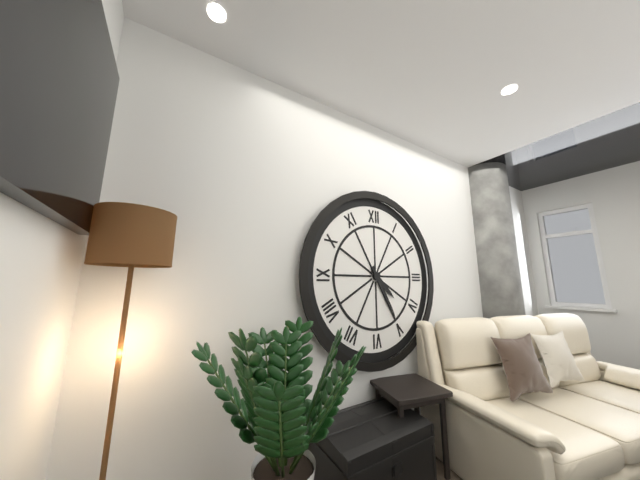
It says 4:25
